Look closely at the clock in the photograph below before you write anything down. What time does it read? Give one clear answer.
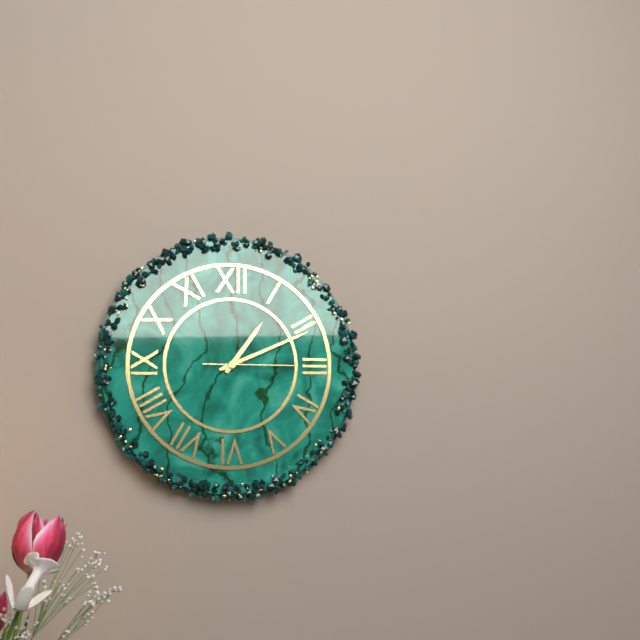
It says 1:11:15
